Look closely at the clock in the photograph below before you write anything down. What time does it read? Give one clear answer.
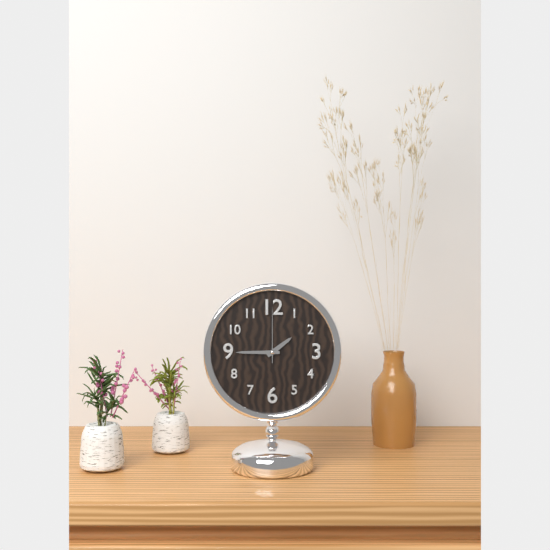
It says 1:45:00
